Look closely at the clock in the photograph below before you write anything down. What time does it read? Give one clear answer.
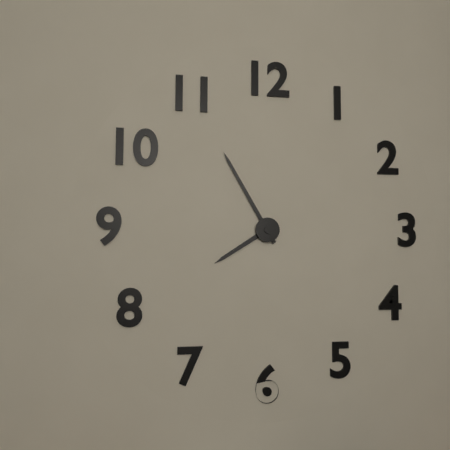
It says 7:55
